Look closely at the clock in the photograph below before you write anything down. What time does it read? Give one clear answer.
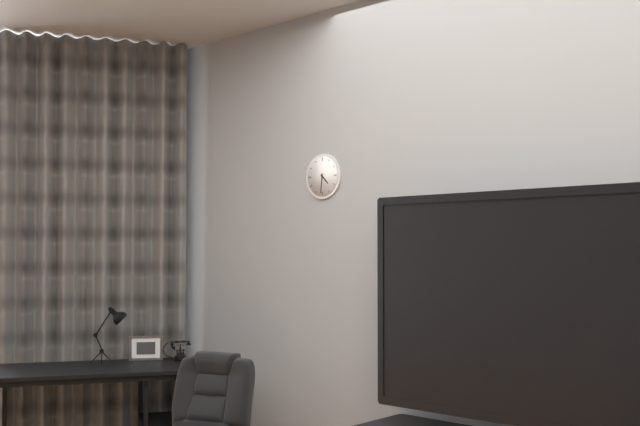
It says 4:31
